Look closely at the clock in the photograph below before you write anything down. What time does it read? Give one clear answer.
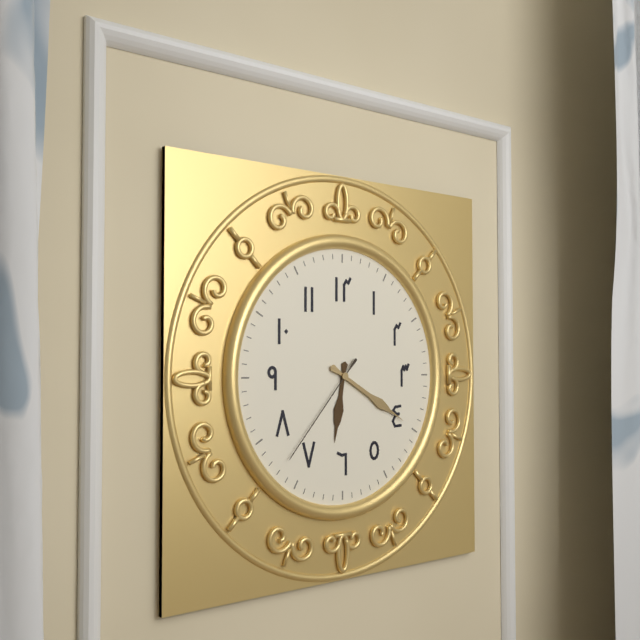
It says 6:20:37
